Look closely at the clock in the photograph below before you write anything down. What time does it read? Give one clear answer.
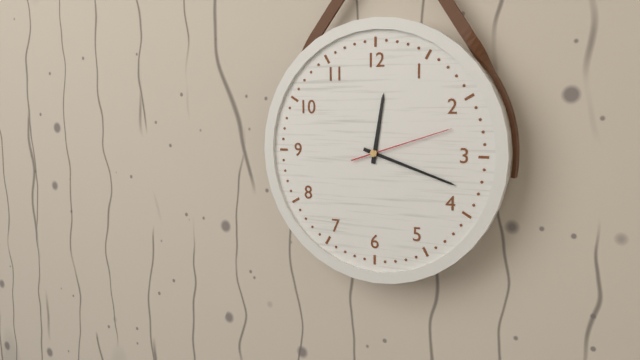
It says 12:18:12
